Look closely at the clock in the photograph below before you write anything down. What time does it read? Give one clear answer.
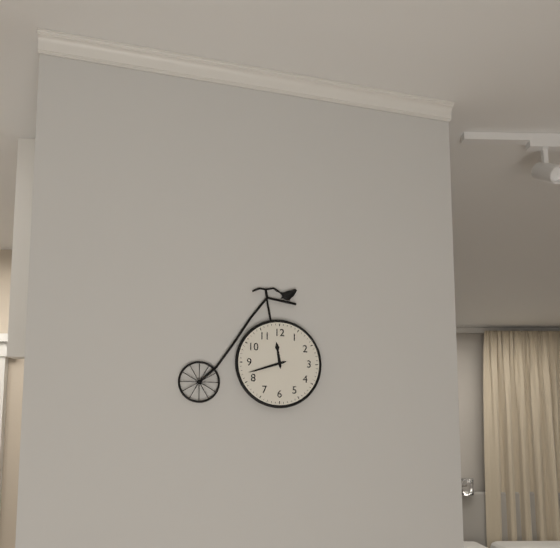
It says 11:42
